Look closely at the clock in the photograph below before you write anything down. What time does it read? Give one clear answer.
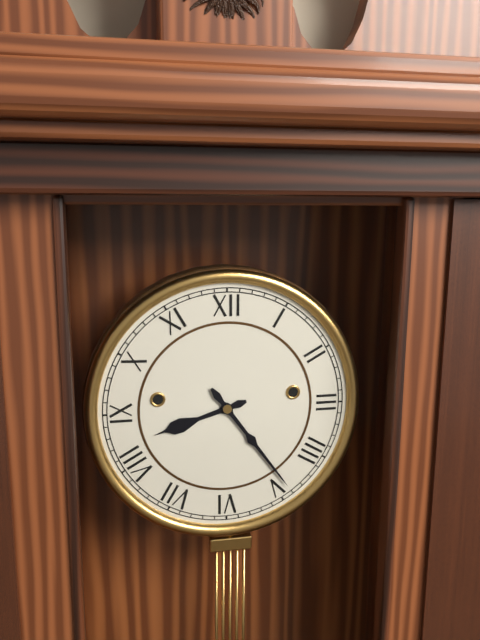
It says 8:24
